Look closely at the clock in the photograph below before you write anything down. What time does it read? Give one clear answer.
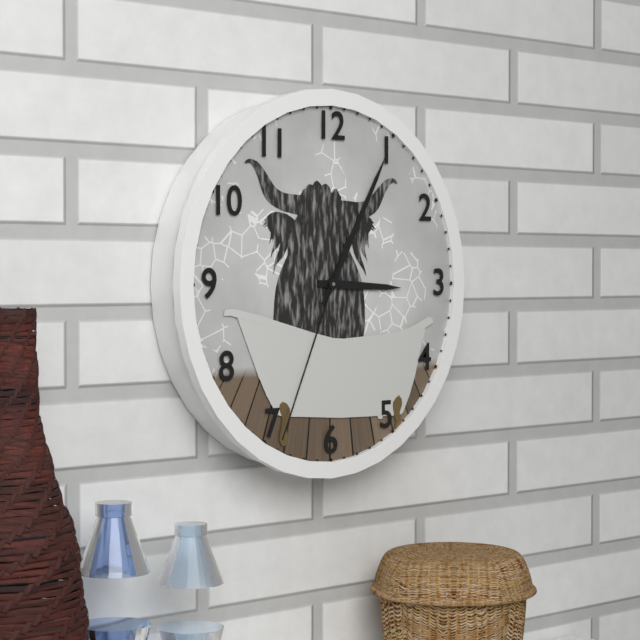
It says 3:05:34
